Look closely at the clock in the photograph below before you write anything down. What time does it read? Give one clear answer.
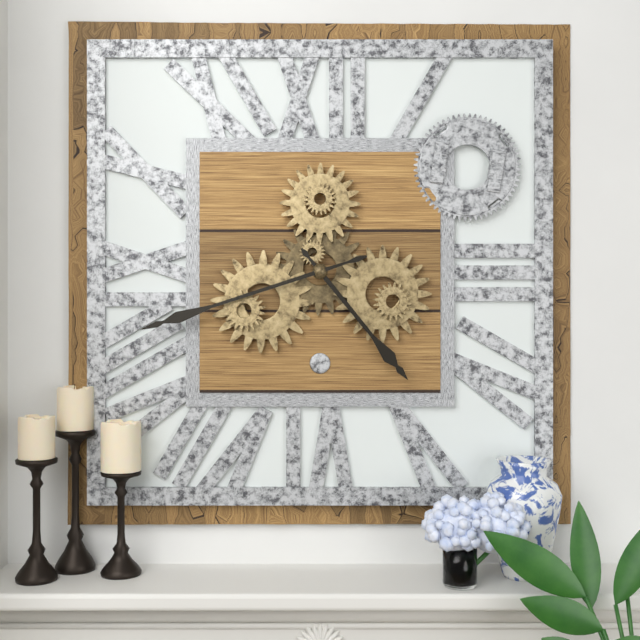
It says 4:42
